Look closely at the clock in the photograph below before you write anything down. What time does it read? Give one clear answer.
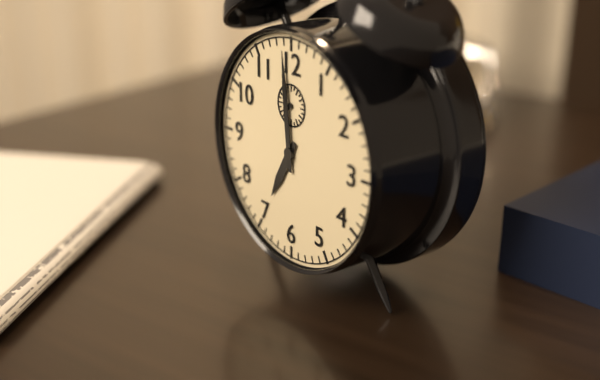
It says 6:59
